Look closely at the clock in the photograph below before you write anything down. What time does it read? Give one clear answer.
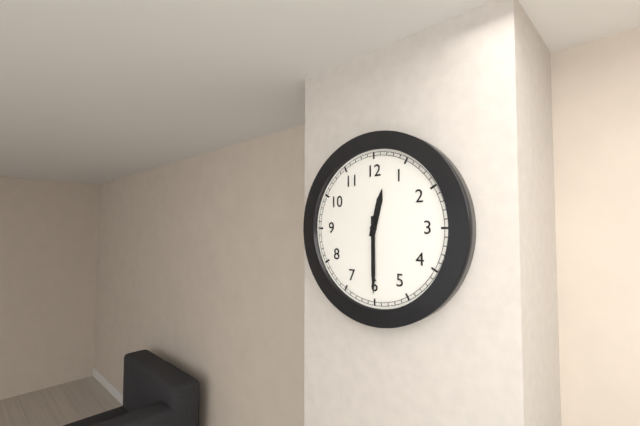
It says 12:30
